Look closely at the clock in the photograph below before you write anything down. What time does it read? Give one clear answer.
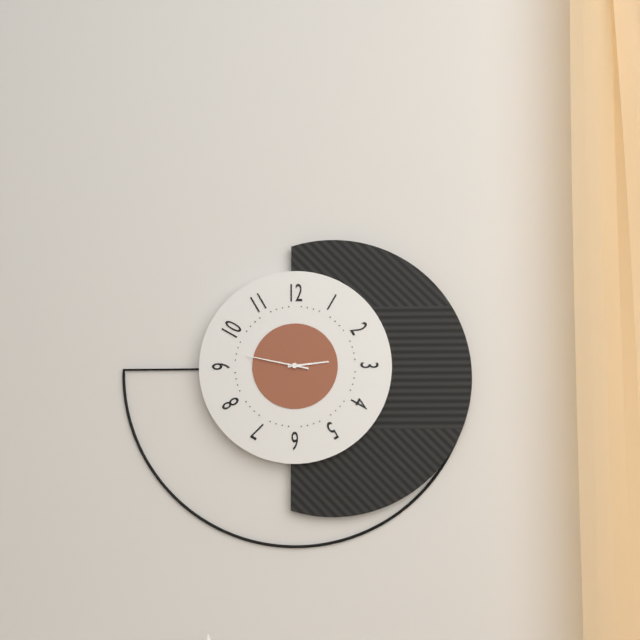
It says 2:47
